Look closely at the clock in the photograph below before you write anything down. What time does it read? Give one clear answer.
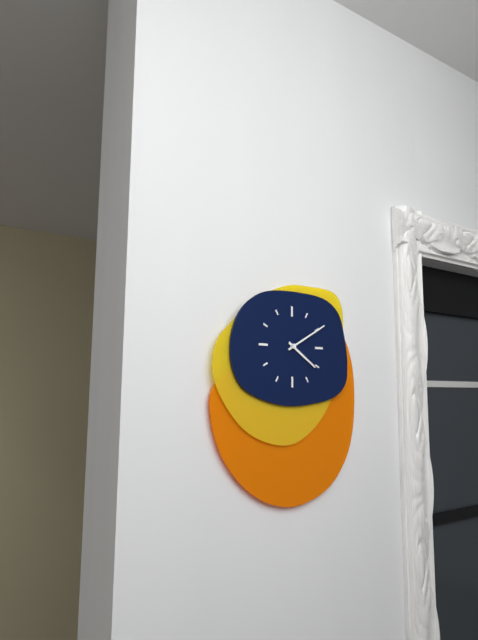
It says 4:10
